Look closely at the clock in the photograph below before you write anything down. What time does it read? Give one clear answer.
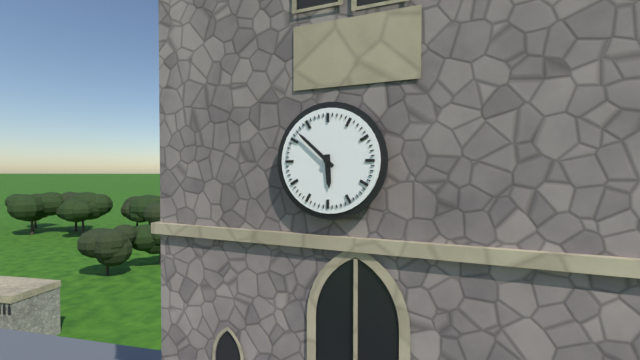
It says 5:52
